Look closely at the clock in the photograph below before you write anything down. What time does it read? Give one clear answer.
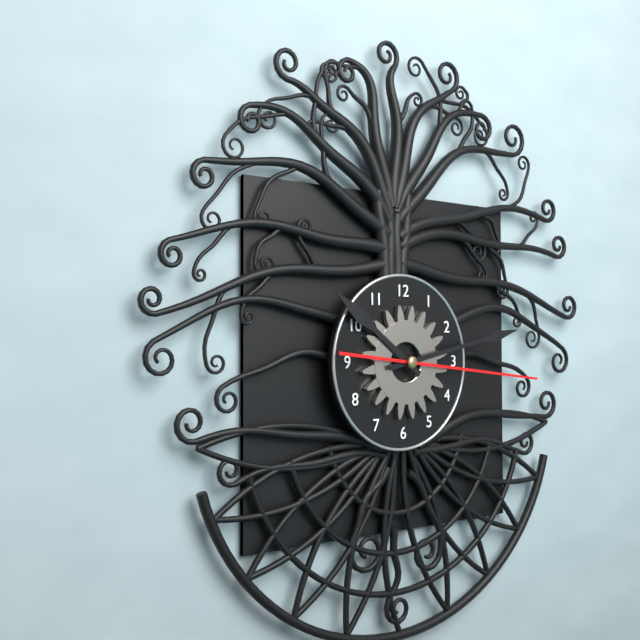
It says 10:13:16
